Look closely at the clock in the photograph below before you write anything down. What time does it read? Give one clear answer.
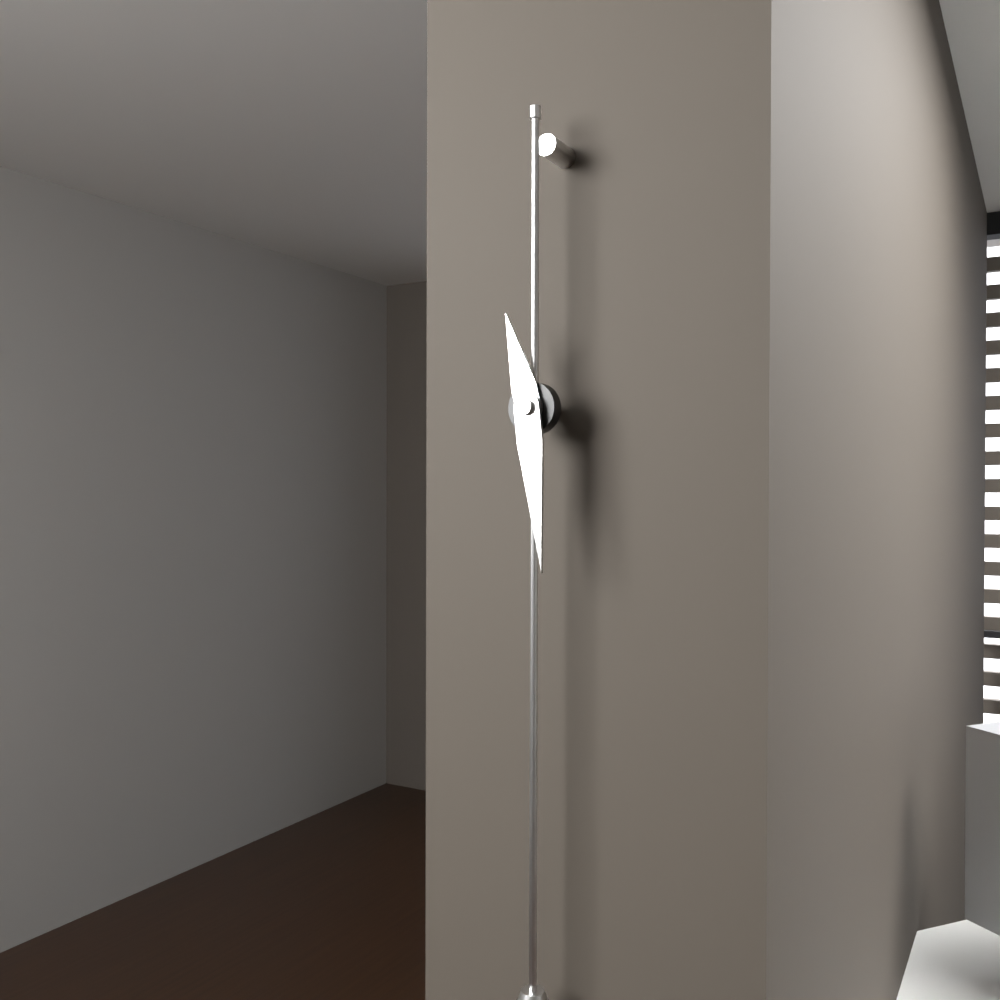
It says 11:29
